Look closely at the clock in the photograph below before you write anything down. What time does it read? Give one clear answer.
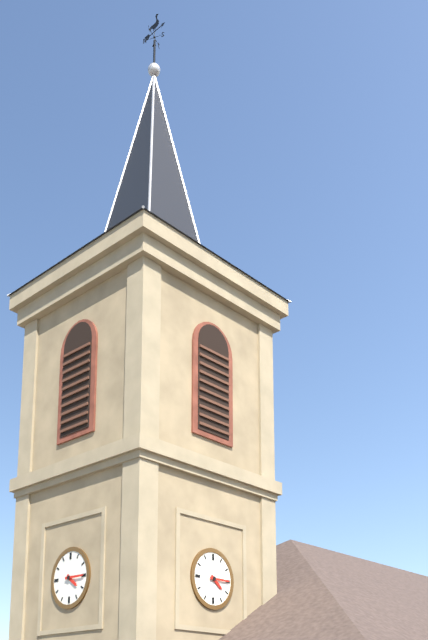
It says 4:15
